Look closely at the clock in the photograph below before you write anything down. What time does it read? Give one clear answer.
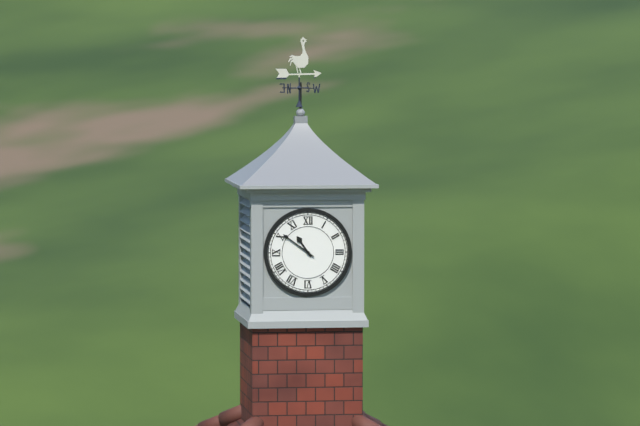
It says 10:51
